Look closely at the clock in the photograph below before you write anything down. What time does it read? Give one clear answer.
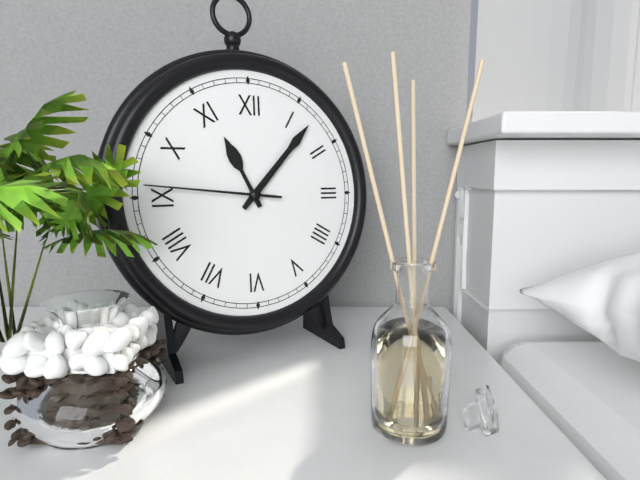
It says 11:07:46
